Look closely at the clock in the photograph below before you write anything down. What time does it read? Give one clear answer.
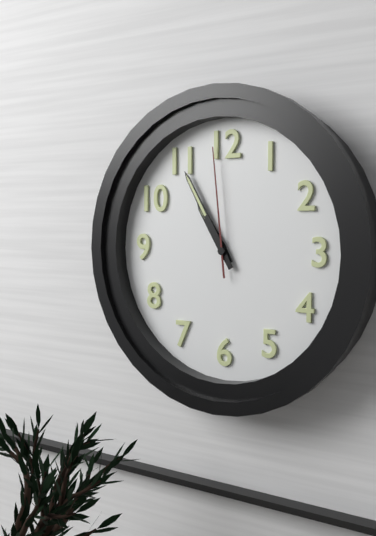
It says 10:55:59
